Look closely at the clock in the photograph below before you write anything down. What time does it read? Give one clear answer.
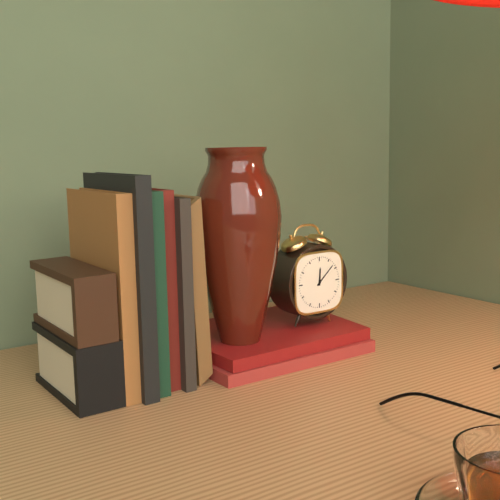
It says 12:08
